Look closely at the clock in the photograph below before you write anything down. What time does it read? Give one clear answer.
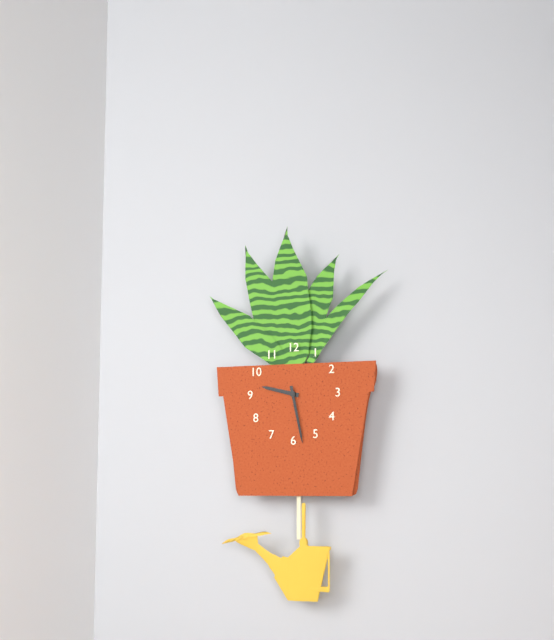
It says 9:28
